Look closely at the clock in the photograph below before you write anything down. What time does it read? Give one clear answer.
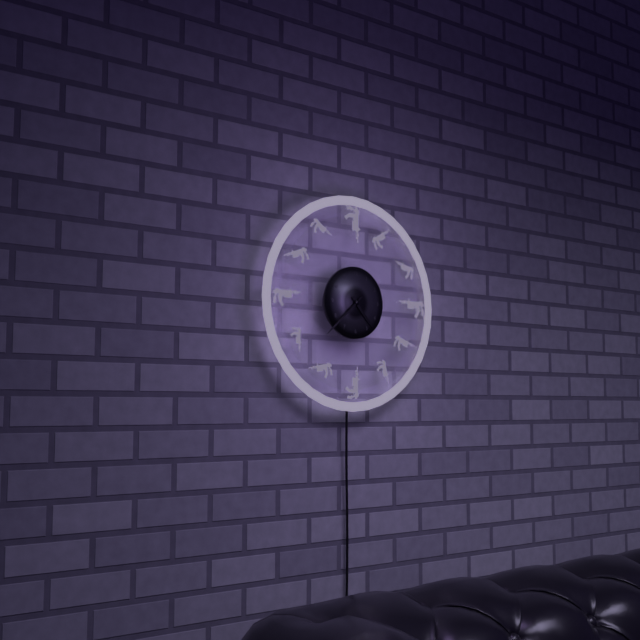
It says 4:38
